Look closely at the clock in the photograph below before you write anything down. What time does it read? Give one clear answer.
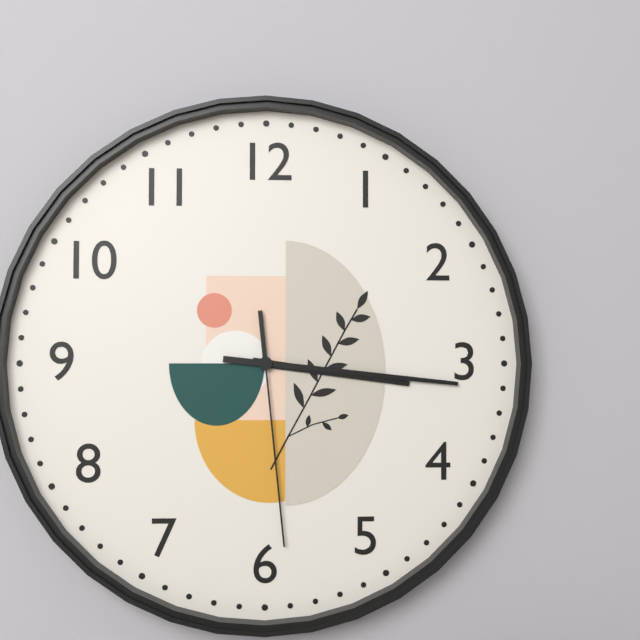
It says 3:16:29
